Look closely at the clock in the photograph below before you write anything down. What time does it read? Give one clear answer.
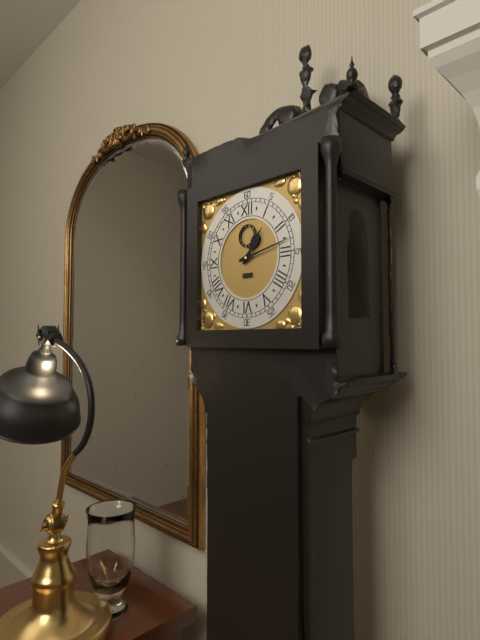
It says 1:13
